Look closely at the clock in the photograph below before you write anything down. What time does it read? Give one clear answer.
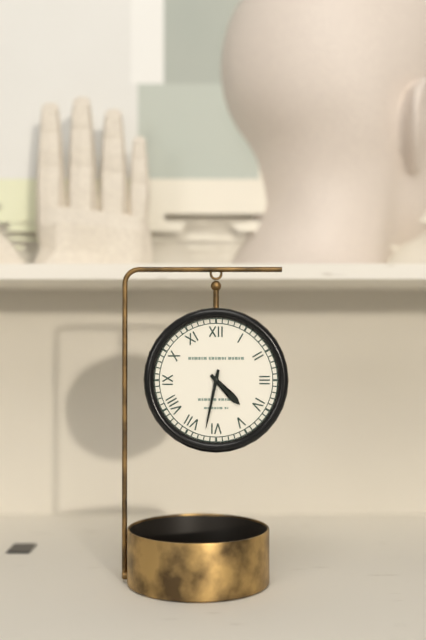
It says 4:32
